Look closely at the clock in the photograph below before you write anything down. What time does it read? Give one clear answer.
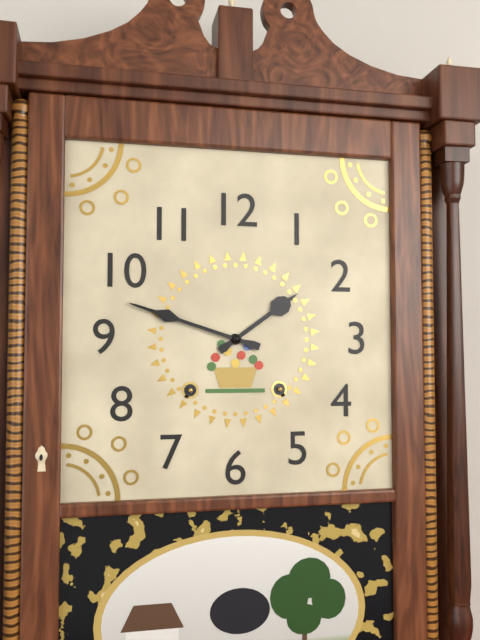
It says 1:48
